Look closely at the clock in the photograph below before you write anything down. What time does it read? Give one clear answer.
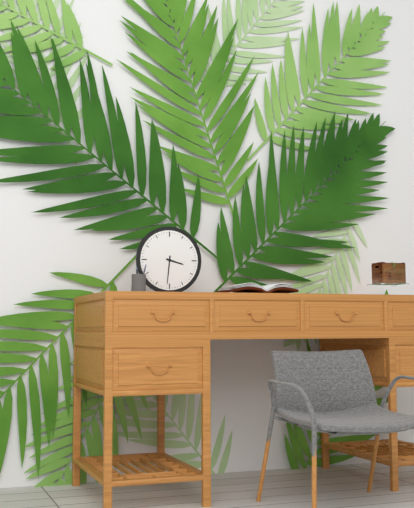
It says 3:31
